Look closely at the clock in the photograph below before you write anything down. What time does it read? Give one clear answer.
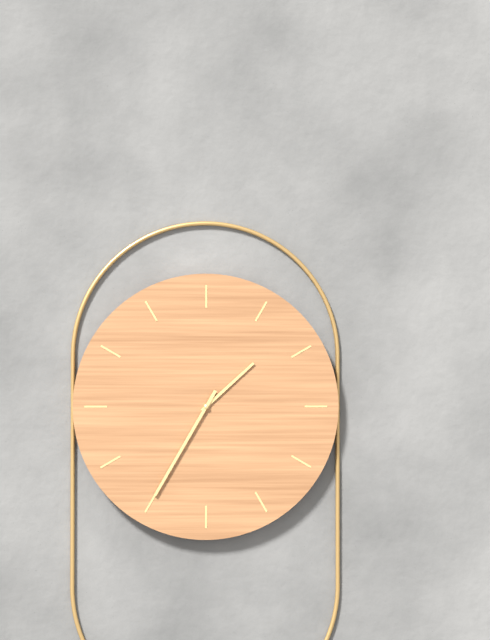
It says 1:35
